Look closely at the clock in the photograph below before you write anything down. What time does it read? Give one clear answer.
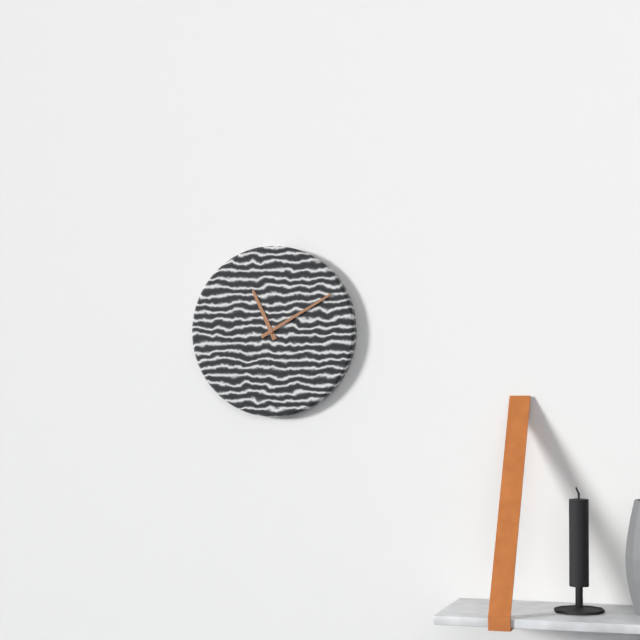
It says 11:10
